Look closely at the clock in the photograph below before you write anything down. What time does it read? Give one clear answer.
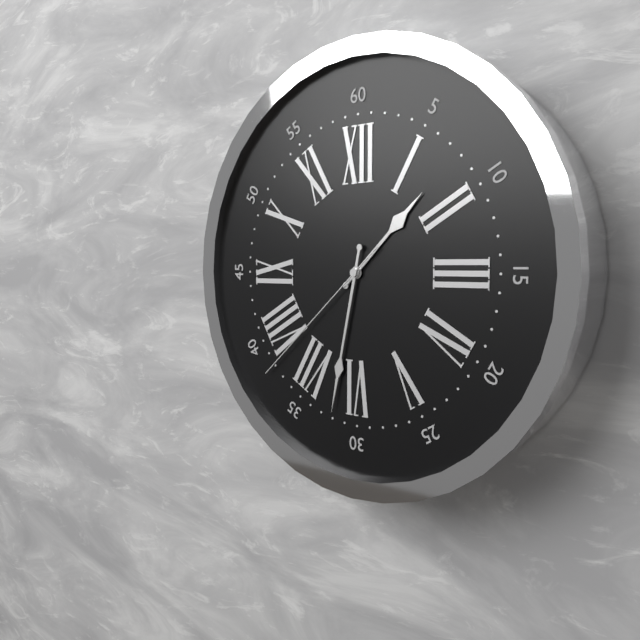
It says 1:32:38
